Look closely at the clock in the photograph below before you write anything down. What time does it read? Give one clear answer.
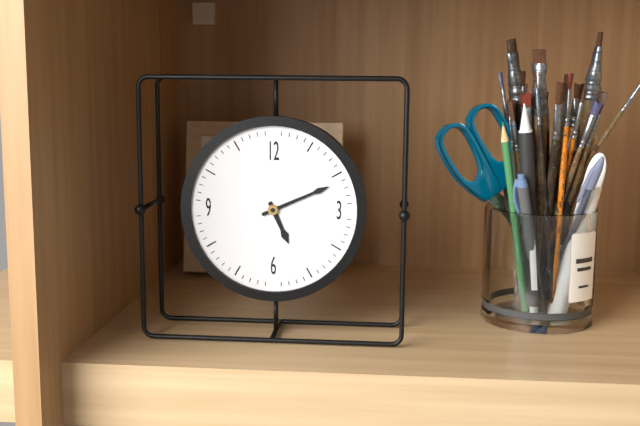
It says 5:11
